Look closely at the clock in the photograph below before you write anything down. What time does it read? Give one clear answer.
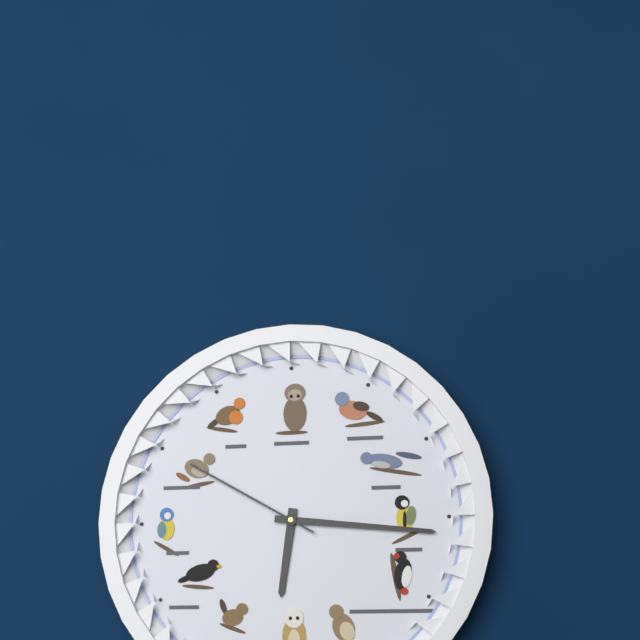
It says 6:16:50
